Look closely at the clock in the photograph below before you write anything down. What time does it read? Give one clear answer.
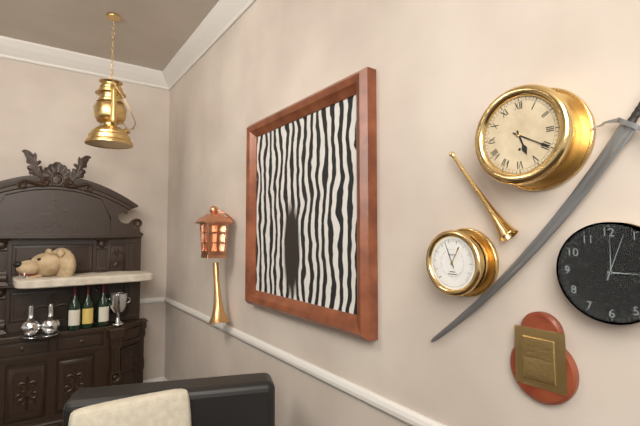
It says 5:20
